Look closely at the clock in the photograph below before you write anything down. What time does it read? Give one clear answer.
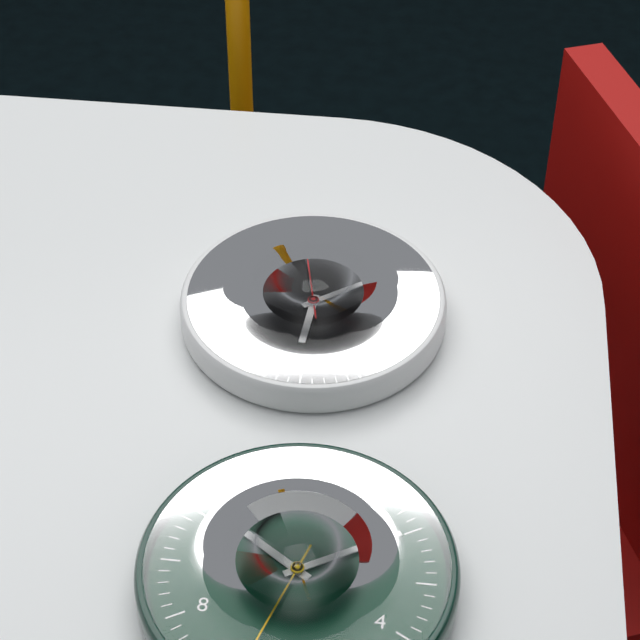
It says 6:09:58
